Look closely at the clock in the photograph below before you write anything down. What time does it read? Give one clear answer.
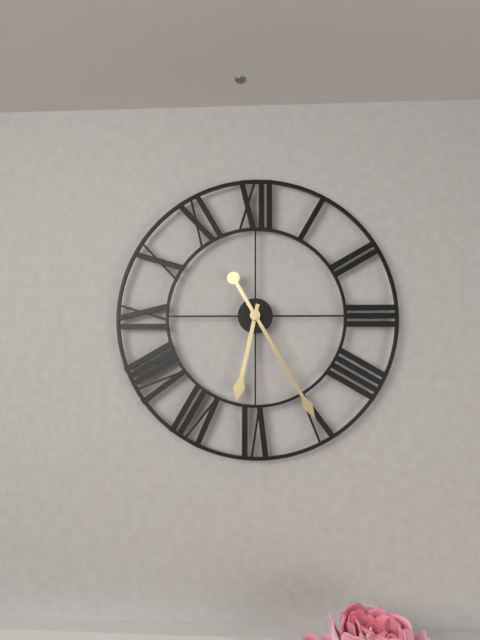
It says 6:25
